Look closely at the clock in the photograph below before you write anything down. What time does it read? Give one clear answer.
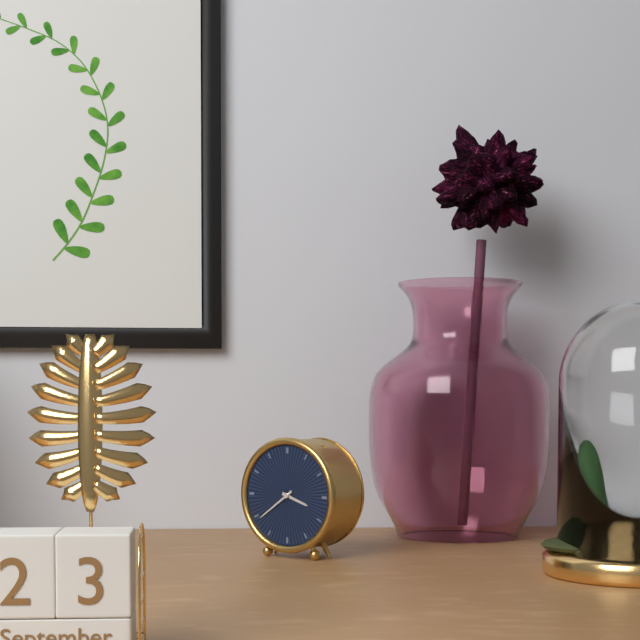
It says 3:39
